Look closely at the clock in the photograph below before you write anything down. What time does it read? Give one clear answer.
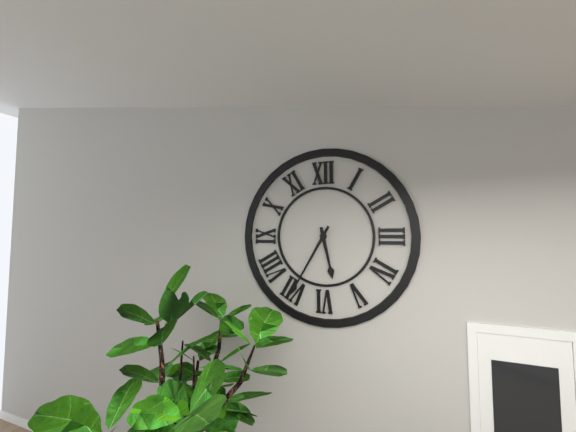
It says 5:35
